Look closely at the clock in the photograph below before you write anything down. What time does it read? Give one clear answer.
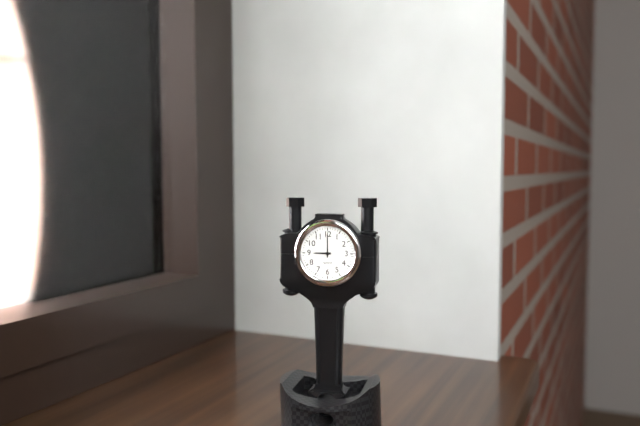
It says 9:00
